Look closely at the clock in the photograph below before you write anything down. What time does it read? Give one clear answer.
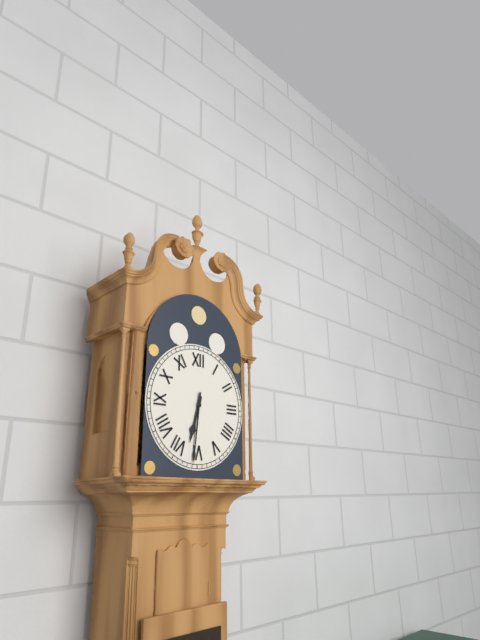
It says 6:31
